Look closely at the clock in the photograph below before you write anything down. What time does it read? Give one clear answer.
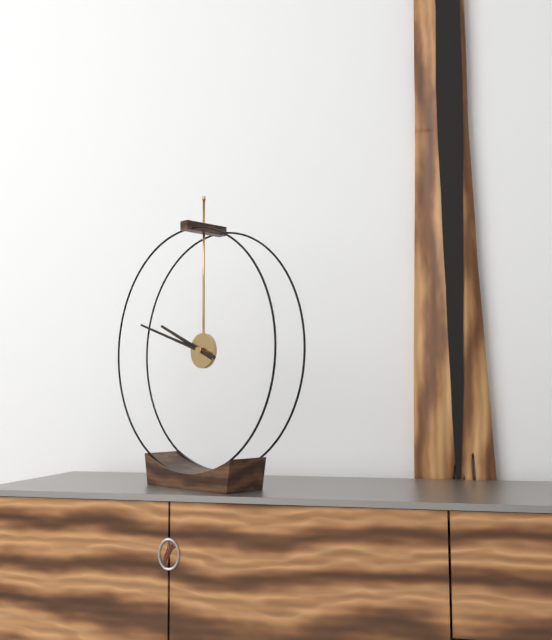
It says 9:48
